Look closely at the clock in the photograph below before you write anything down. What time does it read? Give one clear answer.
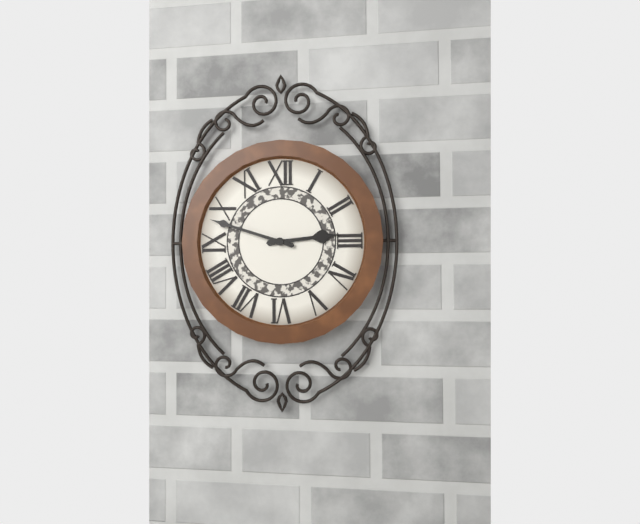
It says 2:48
